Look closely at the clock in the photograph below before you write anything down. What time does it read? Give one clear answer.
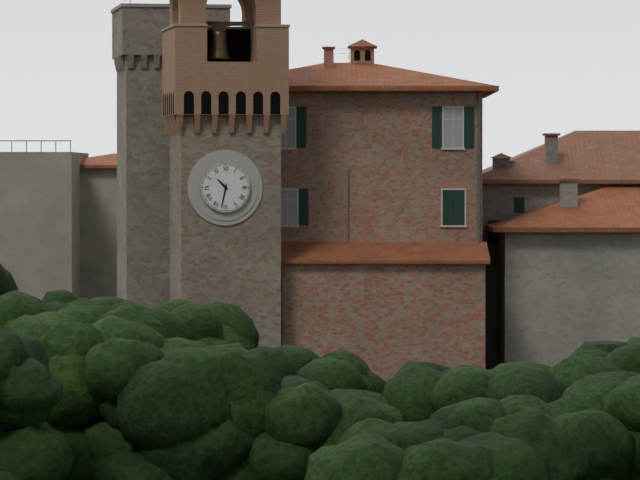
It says 10:32
